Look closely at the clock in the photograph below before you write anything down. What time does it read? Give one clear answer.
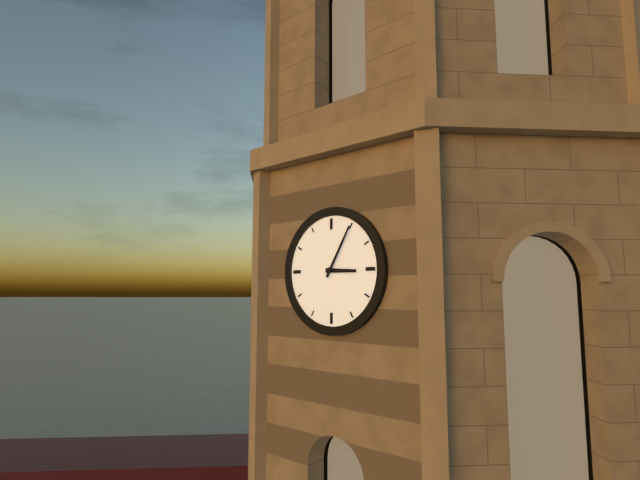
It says 3:05
